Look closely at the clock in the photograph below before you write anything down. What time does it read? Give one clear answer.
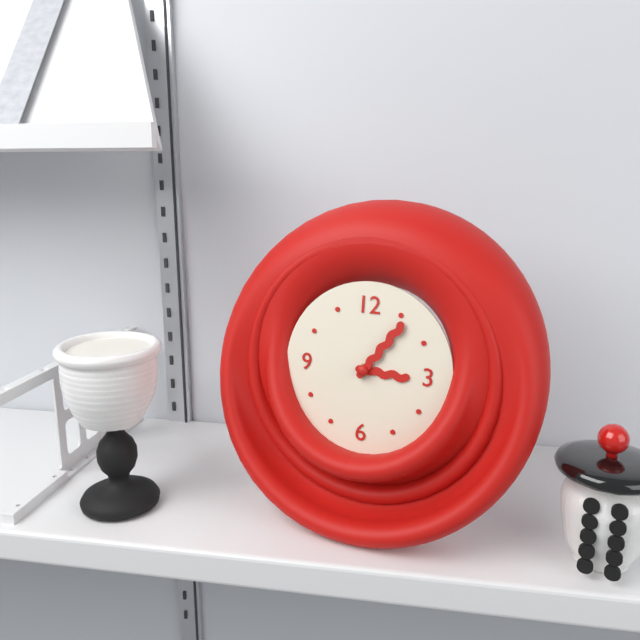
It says 3:06
